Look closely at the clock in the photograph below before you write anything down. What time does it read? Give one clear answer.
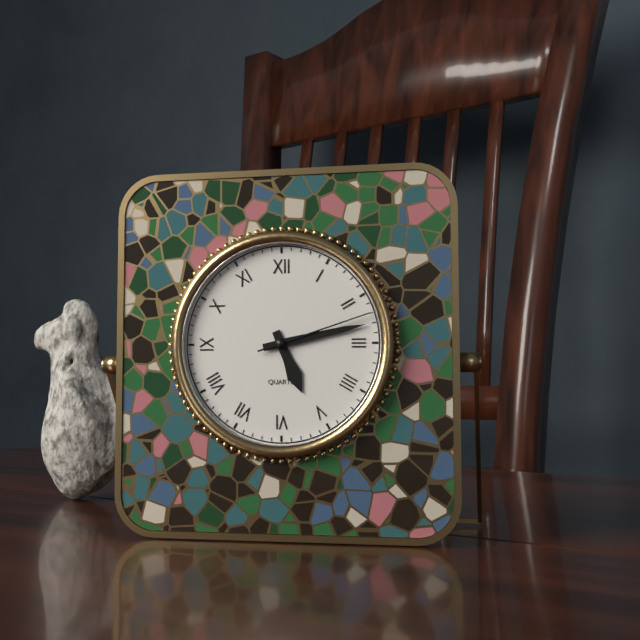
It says 5:13:12
